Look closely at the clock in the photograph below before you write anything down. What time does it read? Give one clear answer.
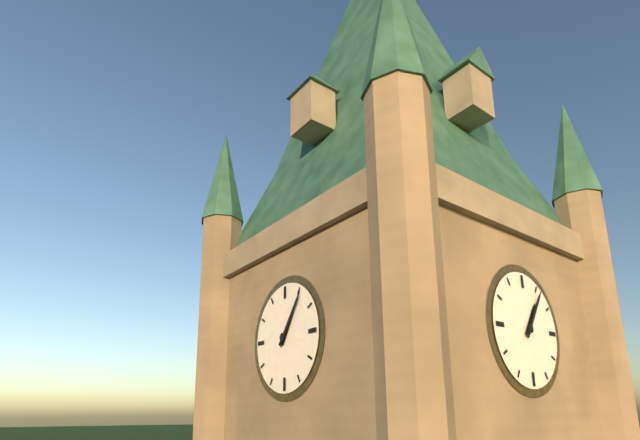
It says 1:06
